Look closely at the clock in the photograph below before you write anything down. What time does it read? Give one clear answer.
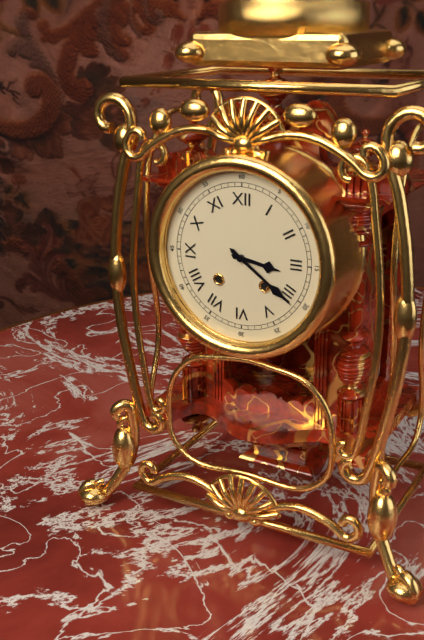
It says 3:21
